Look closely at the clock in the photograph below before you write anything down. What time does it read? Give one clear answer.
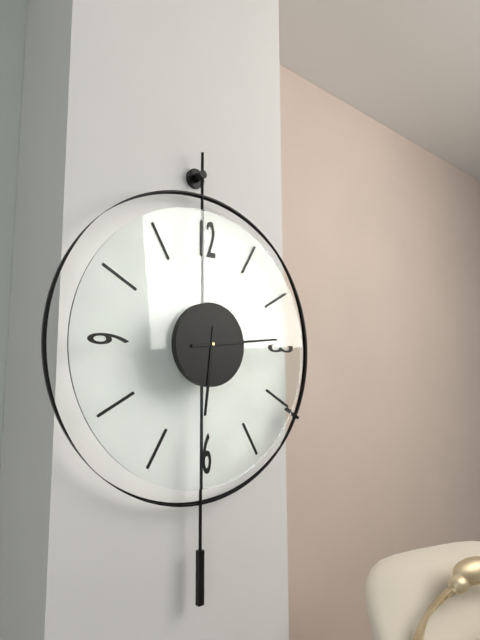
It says 6:14
